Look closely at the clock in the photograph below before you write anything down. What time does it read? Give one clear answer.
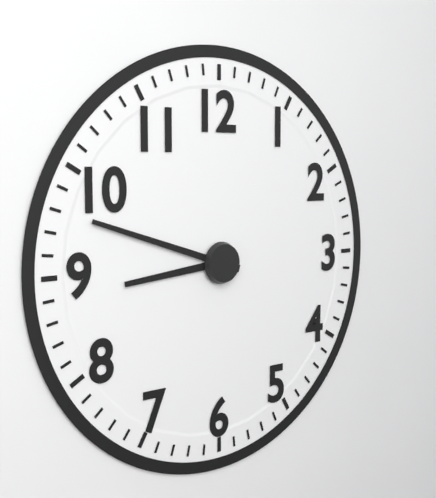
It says 8:48
